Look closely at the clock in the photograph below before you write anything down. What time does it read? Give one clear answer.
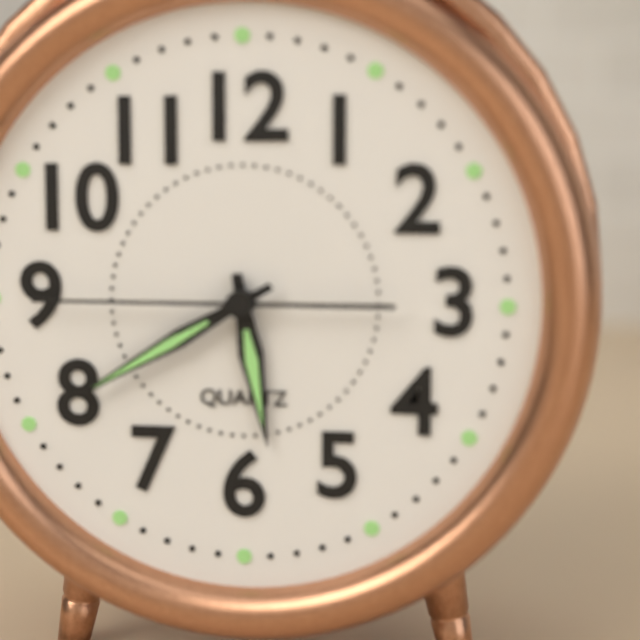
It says 5:40:45
